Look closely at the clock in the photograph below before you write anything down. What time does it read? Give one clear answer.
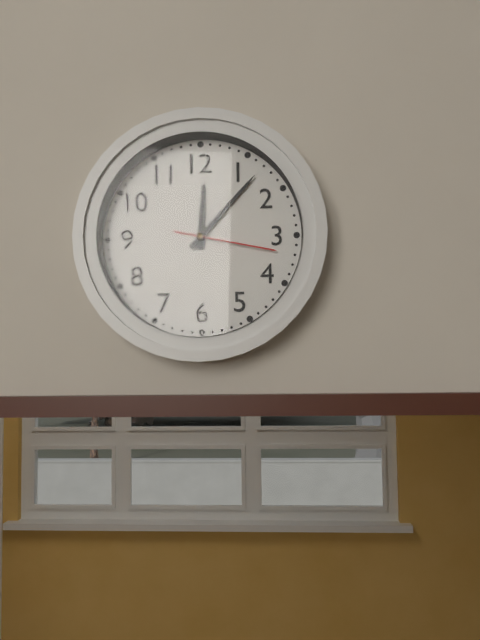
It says 12:07:17
